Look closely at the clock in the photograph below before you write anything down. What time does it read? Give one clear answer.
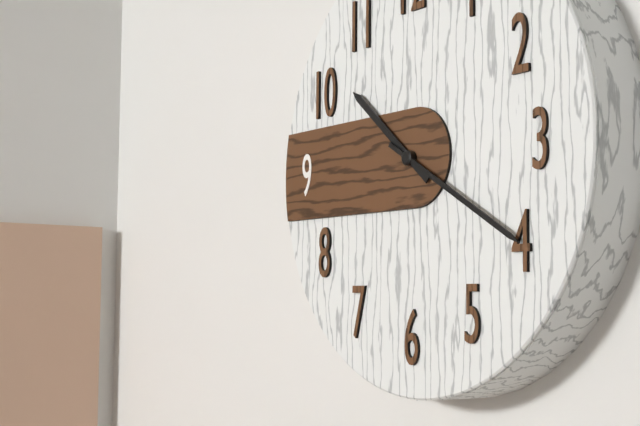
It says 10:20
